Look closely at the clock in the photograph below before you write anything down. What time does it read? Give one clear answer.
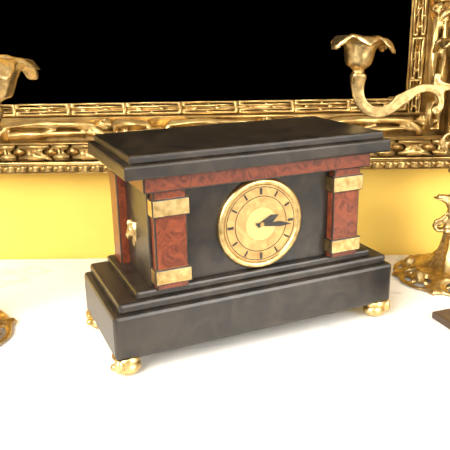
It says 2:16
